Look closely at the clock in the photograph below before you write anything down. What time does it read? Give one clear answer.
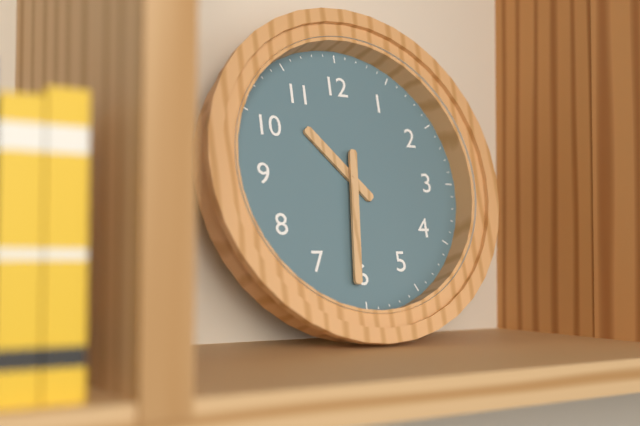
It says 10:31
